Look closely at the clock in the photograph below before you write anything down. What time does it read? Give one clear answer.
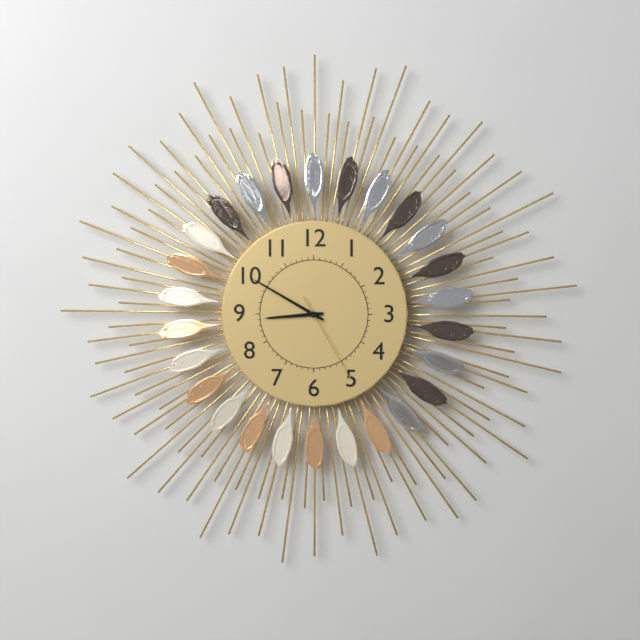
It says 8:50:25
